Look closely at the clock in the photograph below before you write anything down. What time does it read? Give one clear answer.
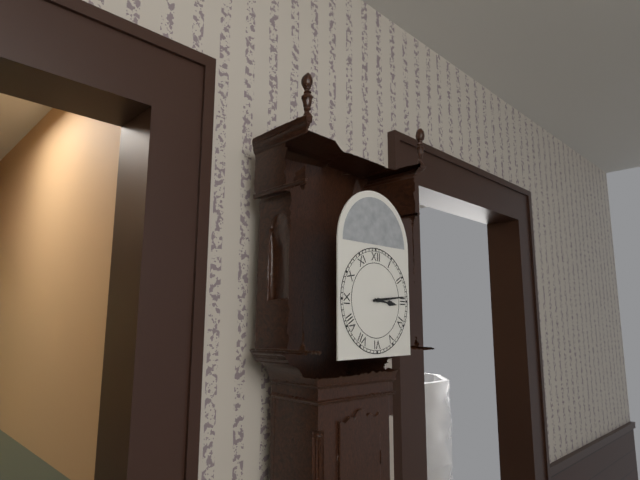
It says 3:14
